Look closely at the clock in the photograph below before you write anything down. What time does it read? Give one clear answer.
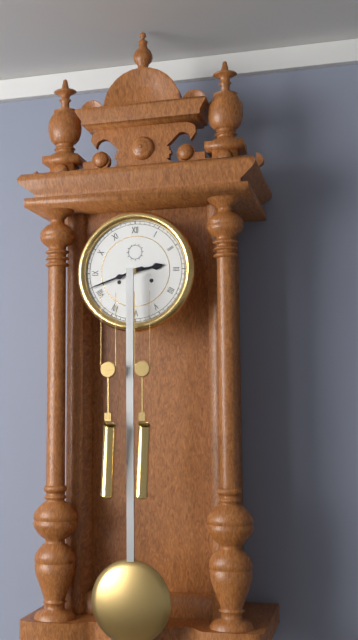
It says 2:42
